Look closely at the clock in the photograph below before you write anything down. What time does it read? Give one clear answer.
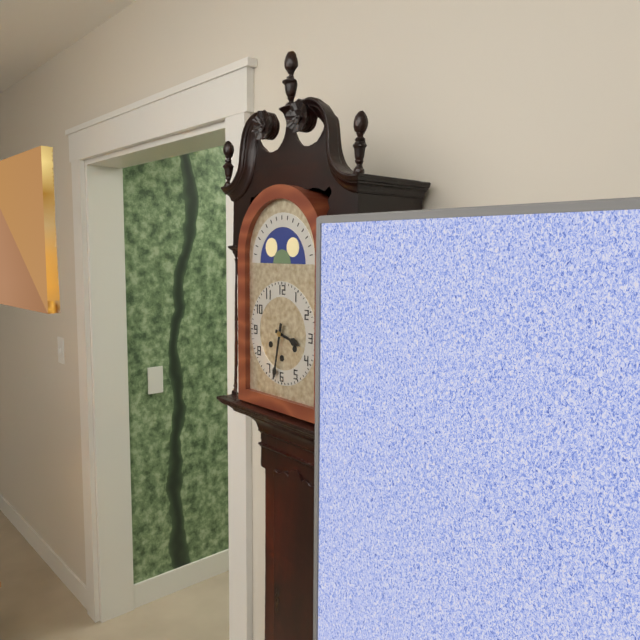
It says 3:32
